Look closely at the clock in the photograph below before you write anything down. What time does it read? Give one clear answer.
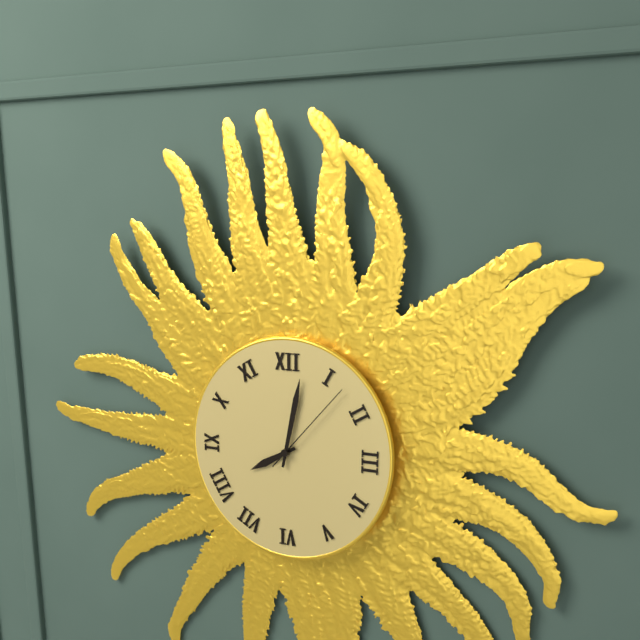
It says 8:02:07
